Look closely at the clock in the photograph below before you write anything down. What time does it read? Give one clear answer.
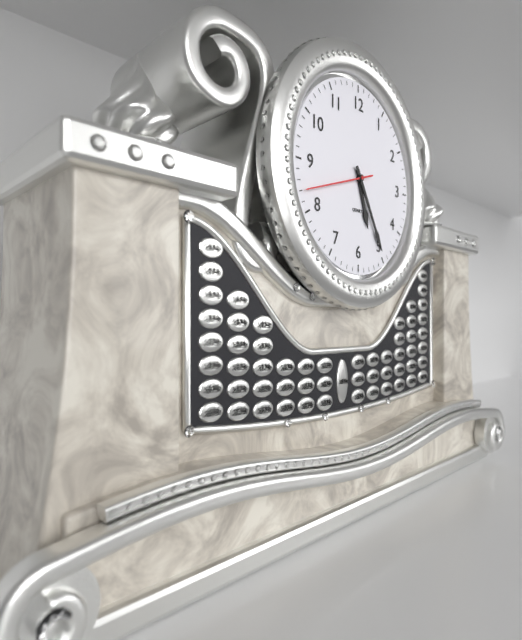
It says 5:25:42
